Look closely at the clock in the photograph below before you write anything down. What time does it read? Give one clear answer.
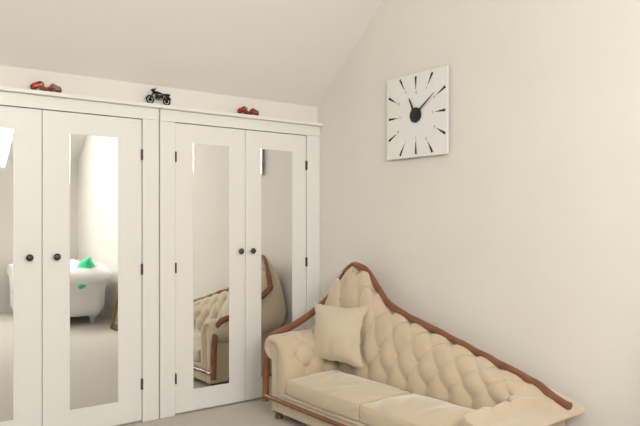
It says 11:09
